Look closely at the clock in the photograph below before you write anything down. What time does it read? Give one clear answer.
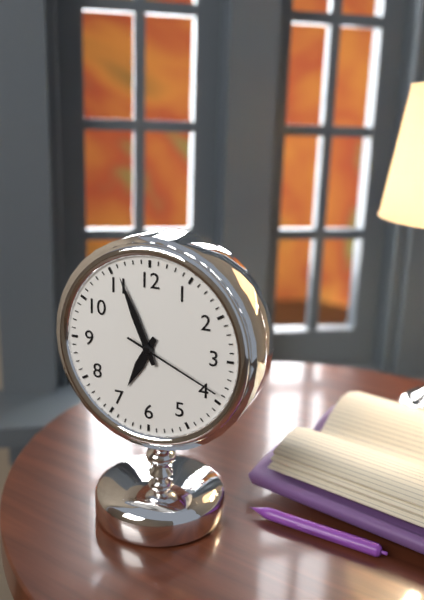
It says 6:56:19
